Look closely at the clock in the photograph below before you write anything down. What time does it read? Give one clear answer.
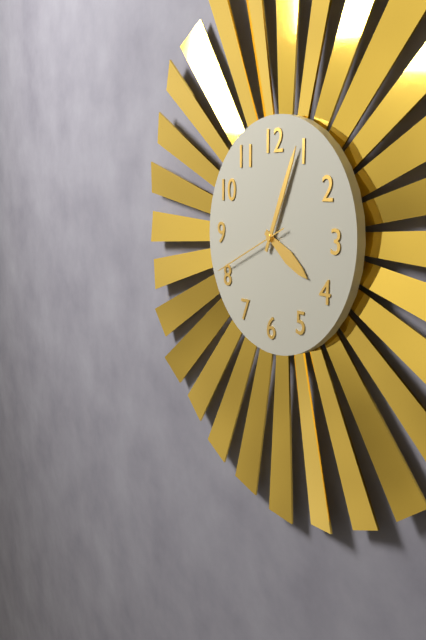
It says 4:04:41
